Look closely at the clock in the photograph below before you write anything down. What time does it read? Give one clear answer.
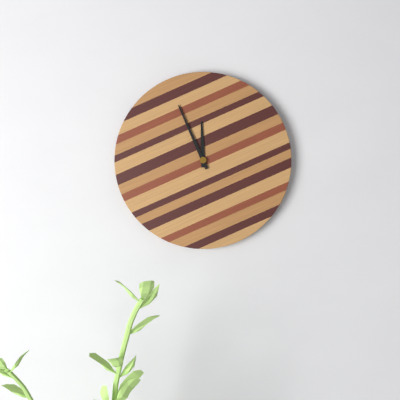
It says 11:56
